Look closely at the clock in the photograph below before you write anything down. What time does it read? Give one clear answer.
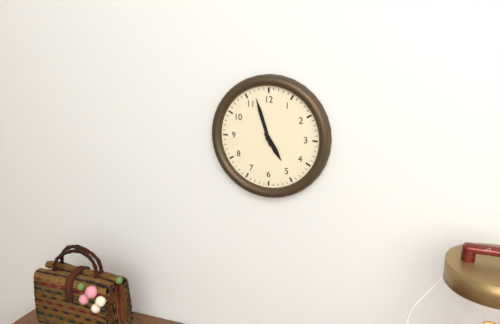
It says 4:57
